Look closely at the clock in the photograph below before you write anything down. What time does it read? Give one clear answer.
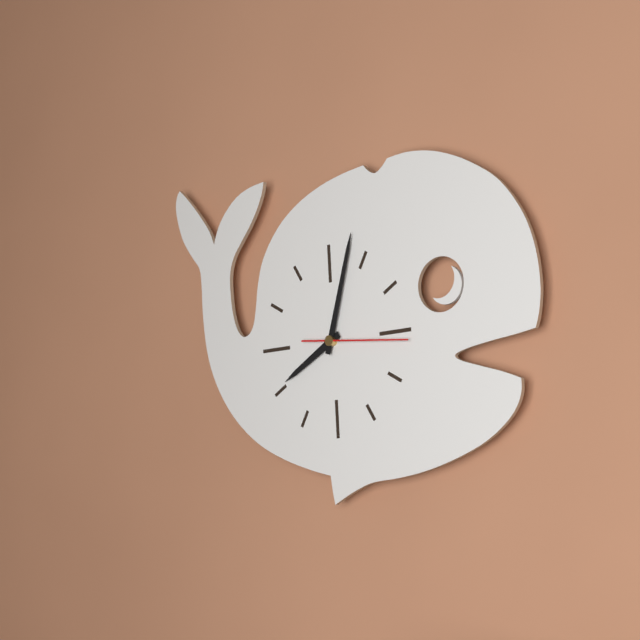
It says 8:03:16
